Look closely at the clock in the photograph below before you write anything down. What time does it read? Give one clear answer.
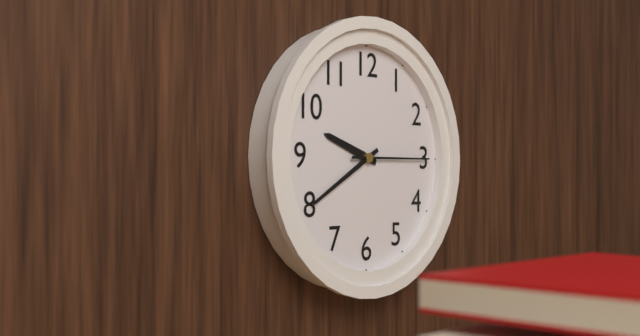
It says 9:40:15
